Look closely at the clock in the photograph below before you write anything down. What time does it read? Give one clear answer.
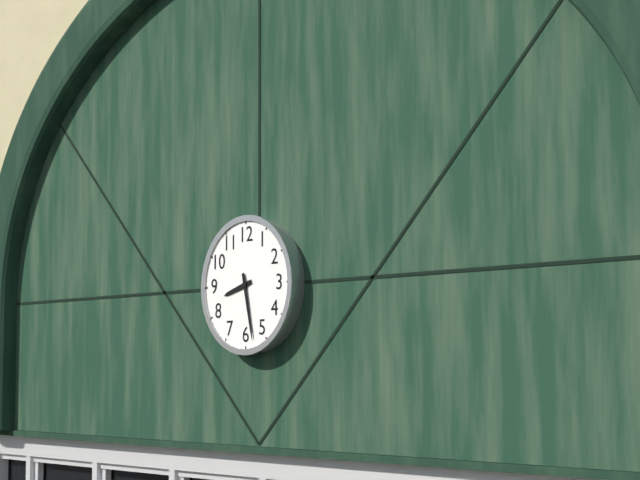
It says 8:28
